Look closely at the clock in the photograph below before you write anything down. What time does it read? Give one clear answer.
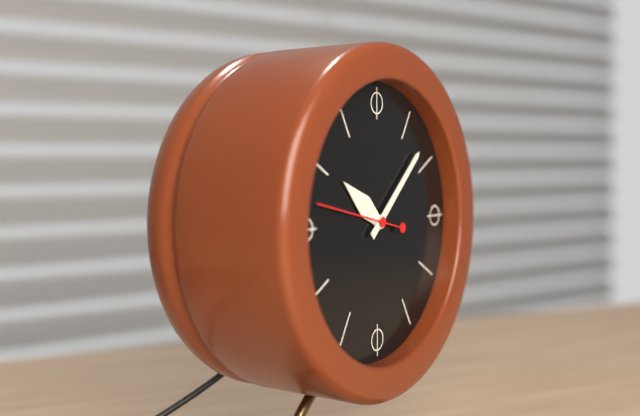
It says 10:08:47
